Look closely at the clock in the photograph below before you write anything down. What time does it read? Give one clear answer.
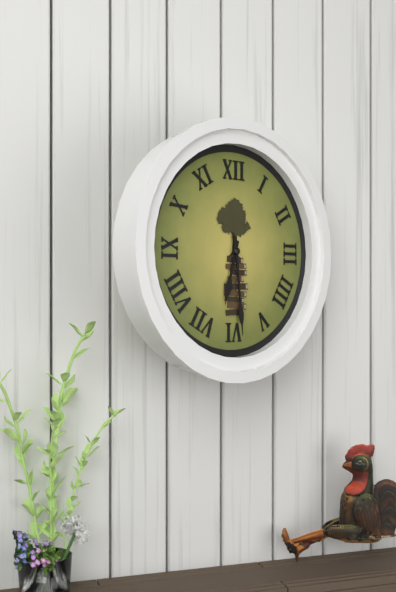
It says 6:29
